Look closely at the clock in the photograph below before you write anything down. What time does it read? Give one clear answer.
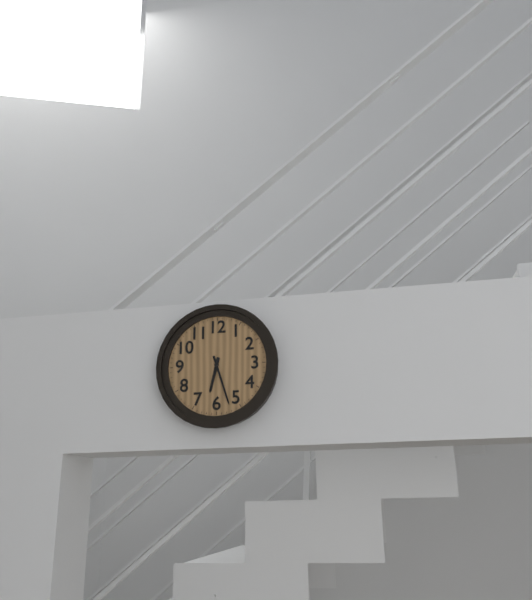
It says 6:27
